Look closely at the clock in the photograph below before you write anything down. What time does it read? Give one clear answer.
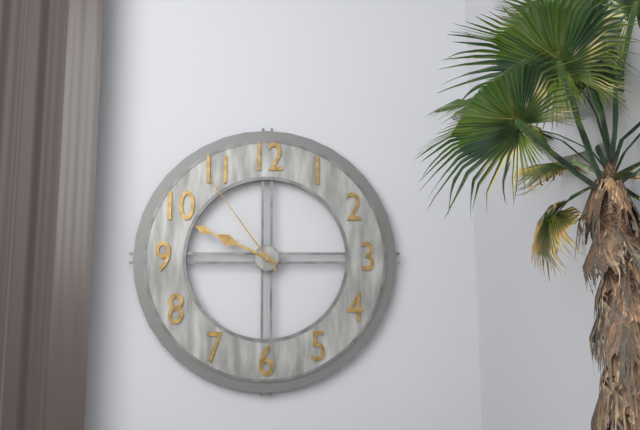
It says 9:49:54
